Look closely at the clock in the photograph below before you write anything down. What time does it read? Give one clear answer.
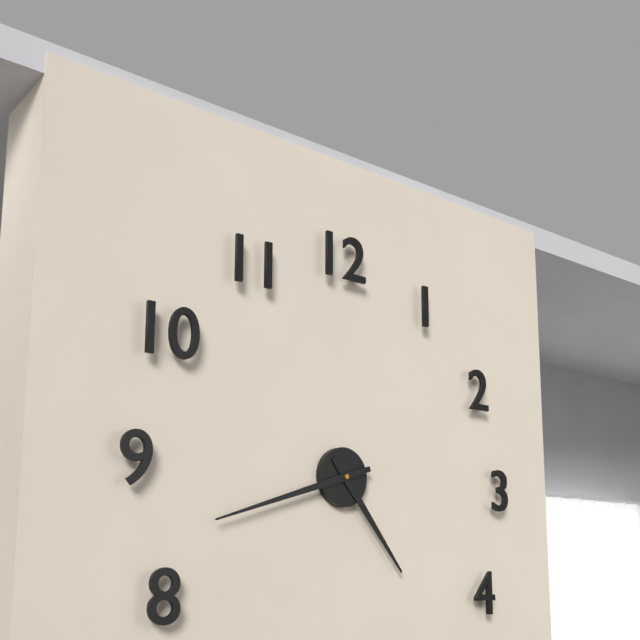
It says 4:42
